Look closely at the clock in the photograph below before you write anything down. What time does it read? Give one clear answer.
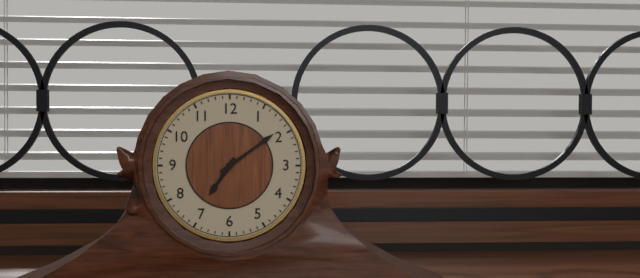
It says 7:09
